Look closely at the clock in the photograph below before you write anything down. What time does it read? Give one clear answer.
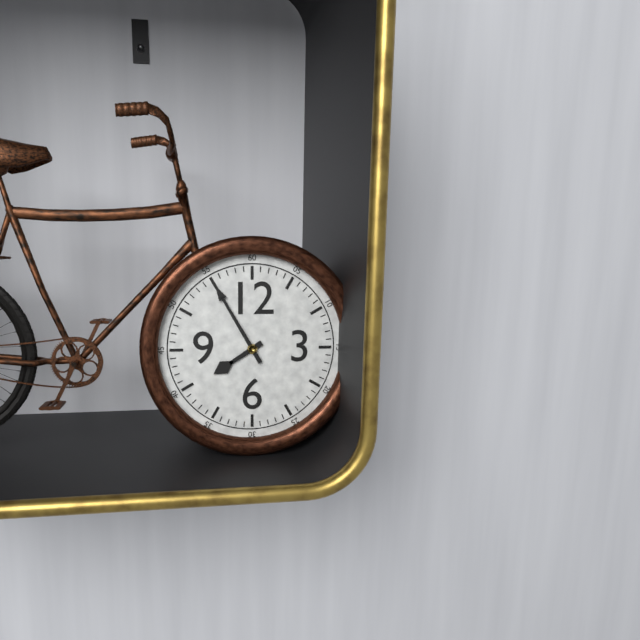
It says 7:55
